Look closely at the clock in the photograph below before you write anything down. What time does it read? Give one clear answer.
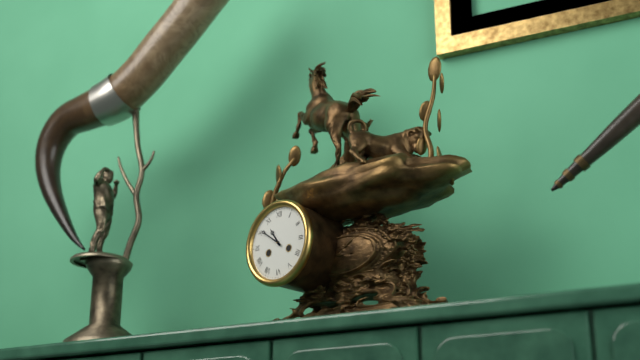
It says 10:51
